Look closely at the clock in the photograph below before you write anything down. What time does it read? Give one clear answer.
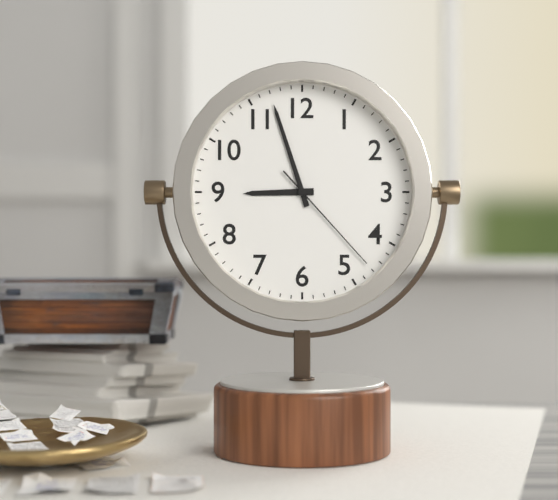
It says 8:57:23
